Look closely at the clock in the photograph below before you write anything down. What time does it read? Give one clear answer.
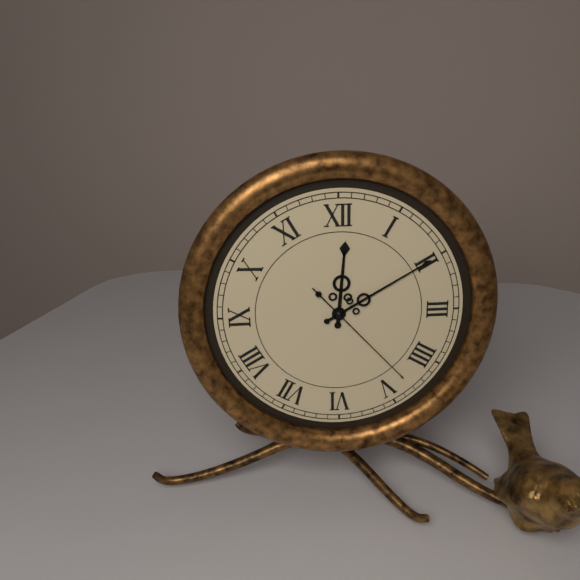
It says 12:10:23
